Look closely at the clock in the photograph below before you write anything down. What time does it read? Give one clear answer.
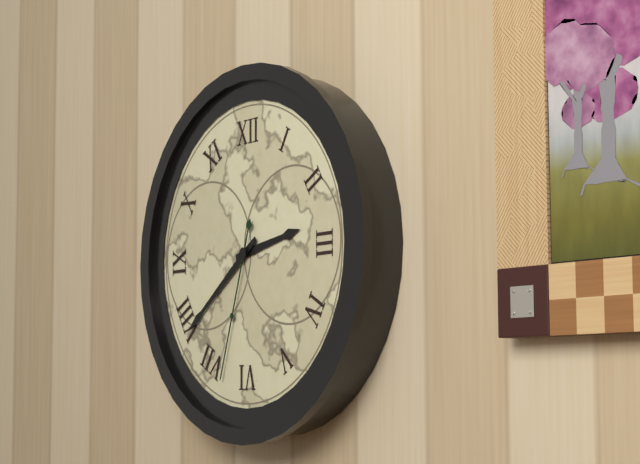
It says 2:39:33
